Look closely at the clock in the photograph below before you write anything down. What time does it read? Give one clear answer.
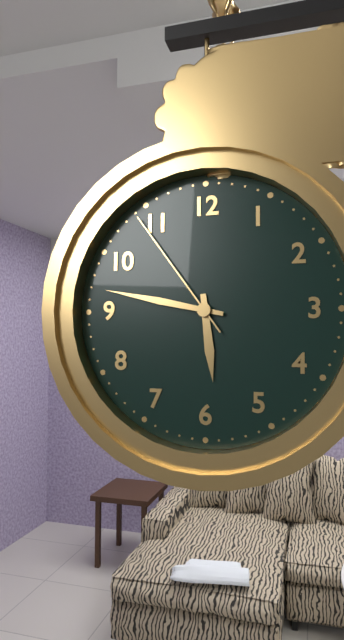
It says 5:47:54
